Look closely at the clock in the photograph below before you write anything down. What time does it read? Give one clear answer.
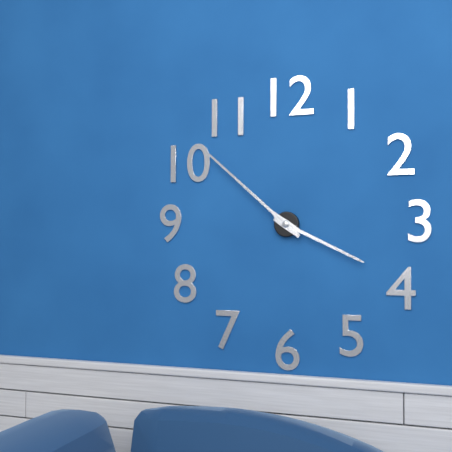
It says 3:52
